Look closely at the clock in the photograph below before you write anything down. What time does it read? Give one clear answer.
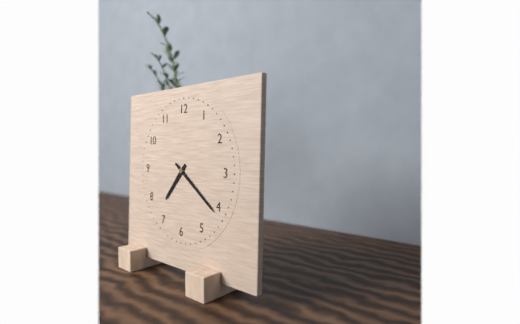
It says 7:21
